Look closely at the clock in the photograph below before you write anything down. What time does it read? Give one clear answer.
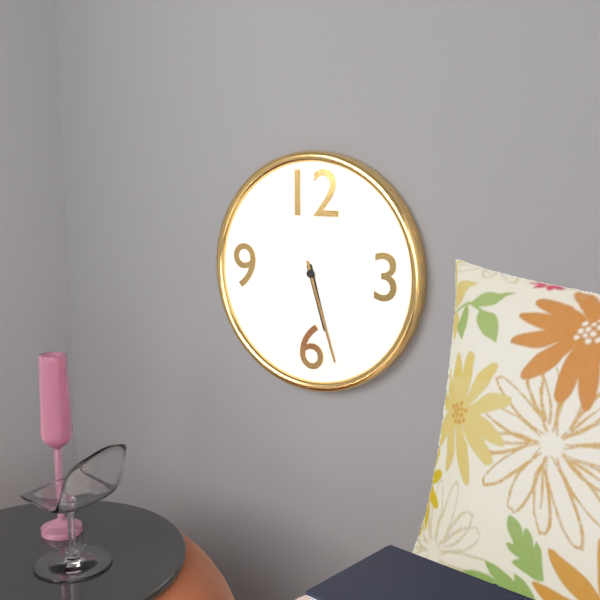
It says 5:27
